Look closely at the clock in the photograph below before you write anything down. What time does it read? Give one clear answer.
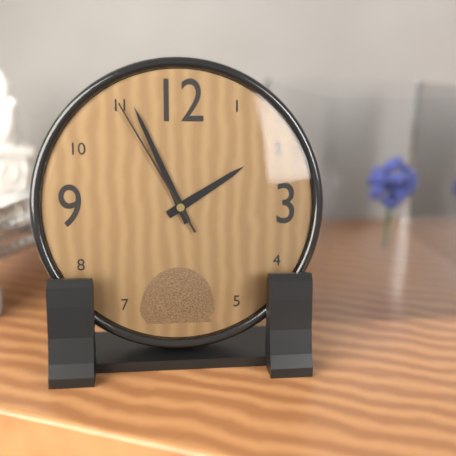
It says 1:56:55
